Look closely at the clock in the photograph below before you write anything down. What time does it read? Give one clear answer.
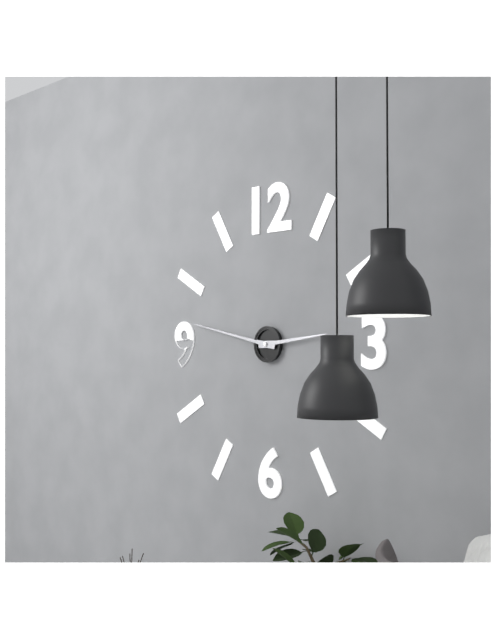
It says 2:47
